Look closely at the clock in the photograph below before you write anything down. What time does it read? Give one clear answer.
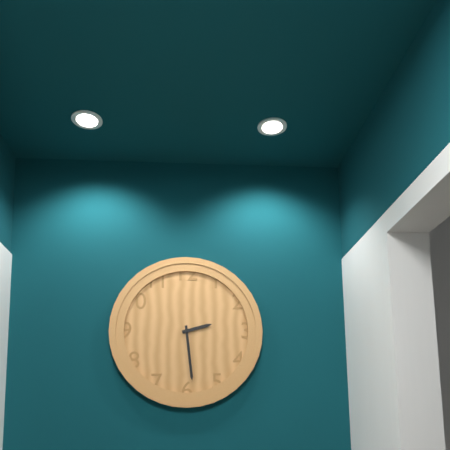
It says 2:29
